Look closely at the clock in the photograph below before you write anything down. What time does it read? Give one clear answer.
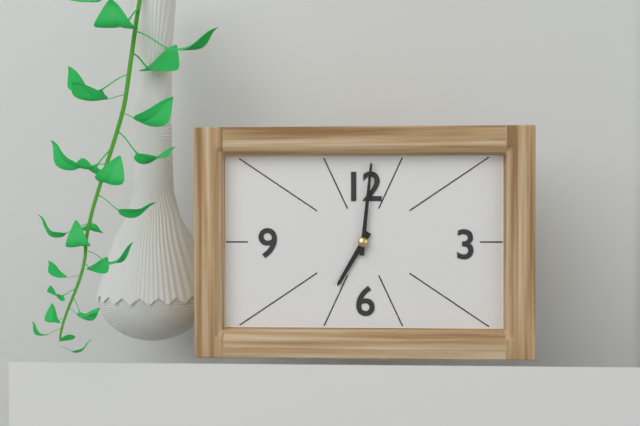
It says 7:01
